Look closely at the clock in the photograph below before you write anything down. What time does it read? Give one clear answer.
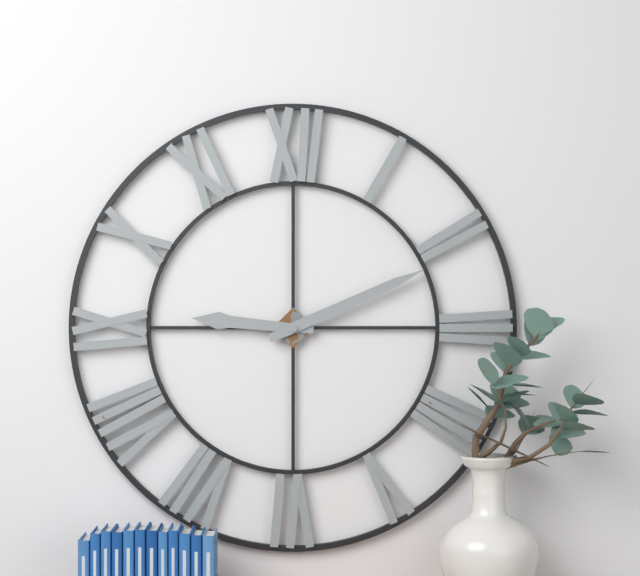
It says 9:11
